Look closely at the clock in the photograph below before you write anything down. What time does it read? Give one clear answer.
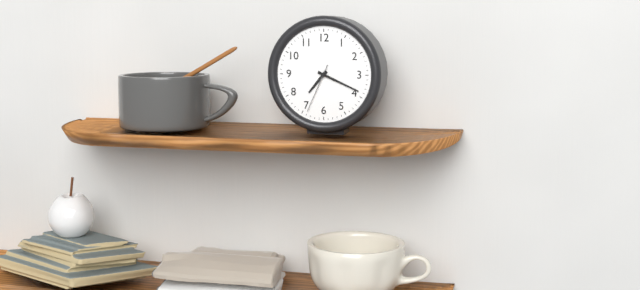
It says 7:19:34
